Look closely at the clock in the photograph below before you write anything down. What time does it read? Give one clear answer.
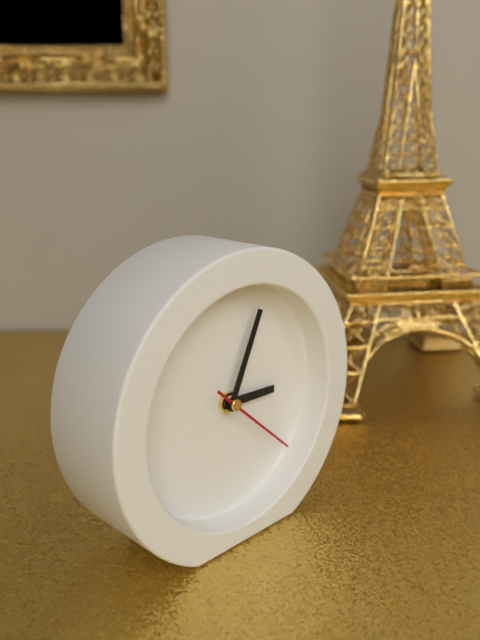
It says 3:04:22
